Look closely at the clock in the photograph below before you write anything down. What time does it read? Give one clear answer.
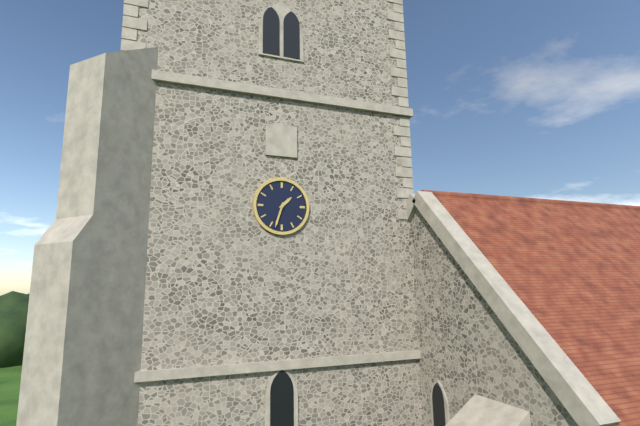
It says 1:33
